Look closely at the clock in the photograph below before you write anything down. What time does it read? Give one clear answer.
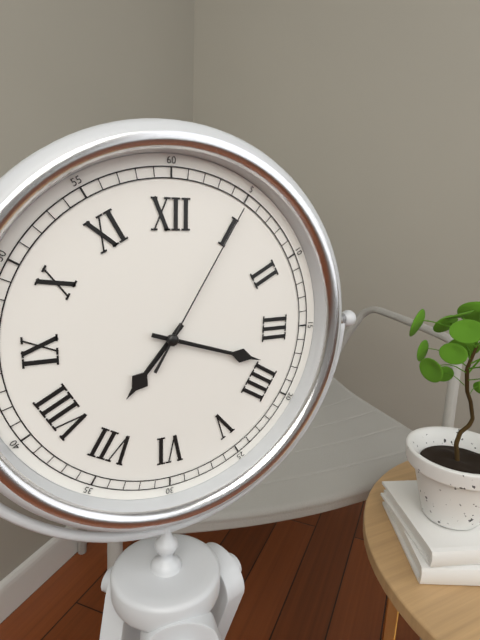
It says 7:18:05
